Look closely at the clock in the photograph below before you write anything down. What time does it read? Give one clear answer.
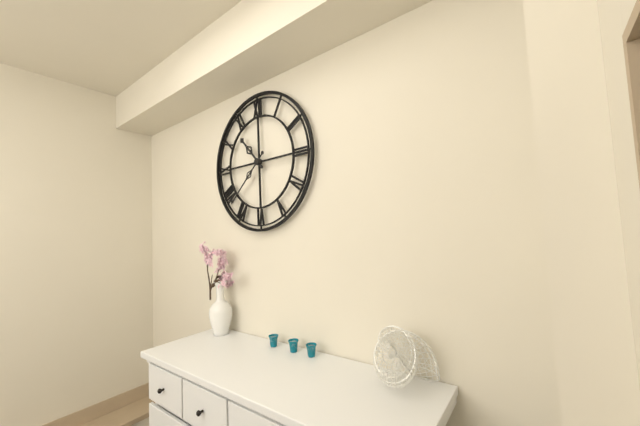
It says 10:38
